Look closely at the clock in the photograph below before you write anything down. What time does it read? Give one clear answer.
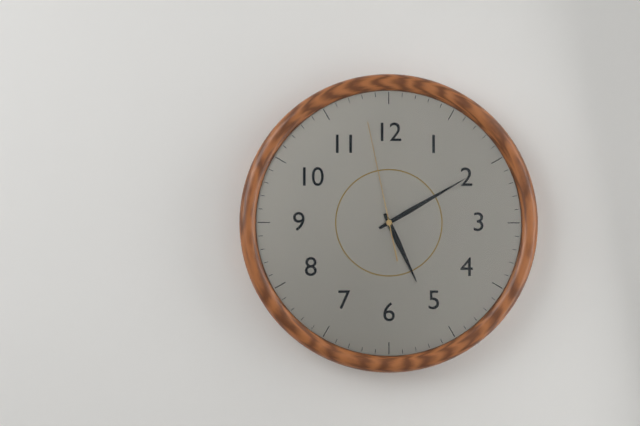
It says 5:10:58
